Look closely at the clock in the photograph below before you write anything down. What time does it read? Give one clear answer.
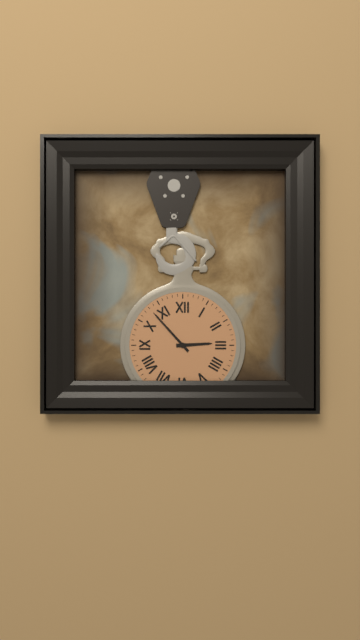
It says 2:53
